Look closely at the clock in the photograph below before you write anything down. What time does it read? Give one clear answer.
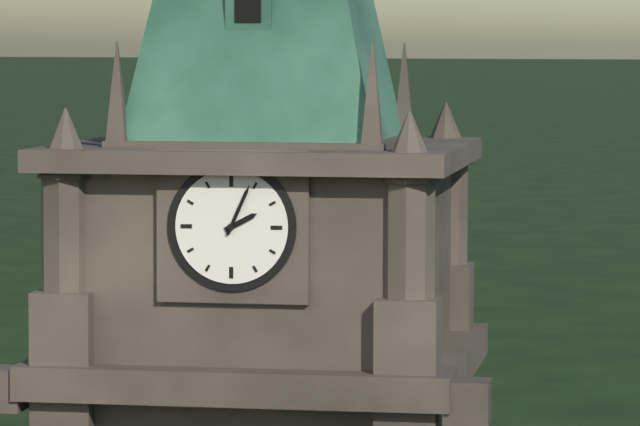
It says 2:04
